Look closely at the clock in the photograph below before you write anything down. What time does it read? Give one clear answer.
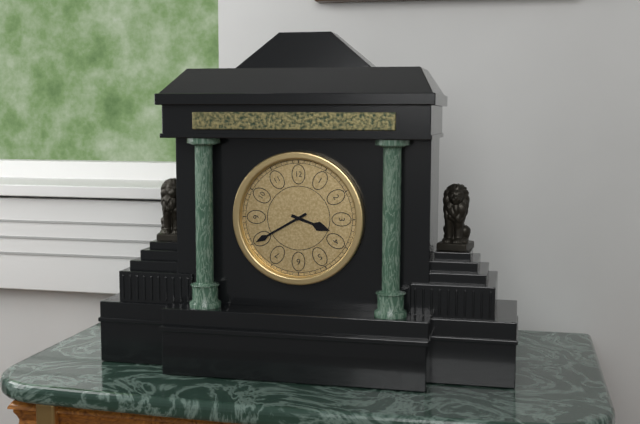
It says 3:40
